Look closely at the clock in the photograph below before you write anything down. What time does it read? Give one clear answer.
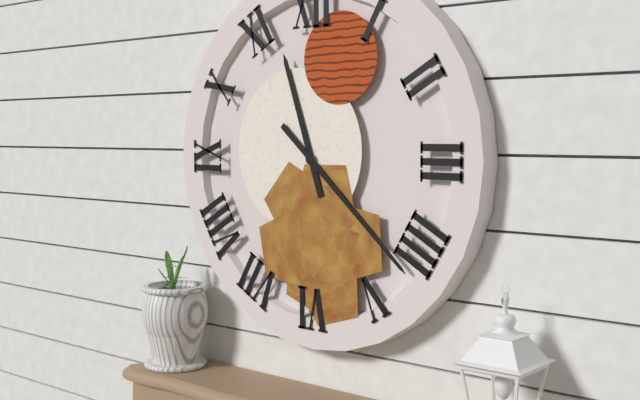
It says 11:22
